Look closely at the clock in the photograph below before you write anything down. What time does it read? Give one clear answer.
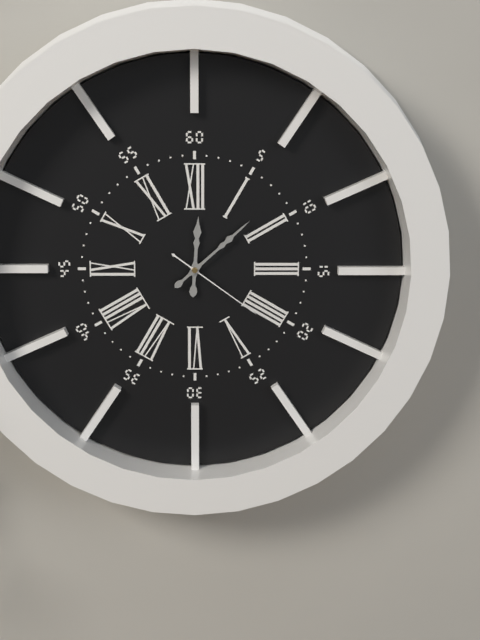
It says 12:08:21
